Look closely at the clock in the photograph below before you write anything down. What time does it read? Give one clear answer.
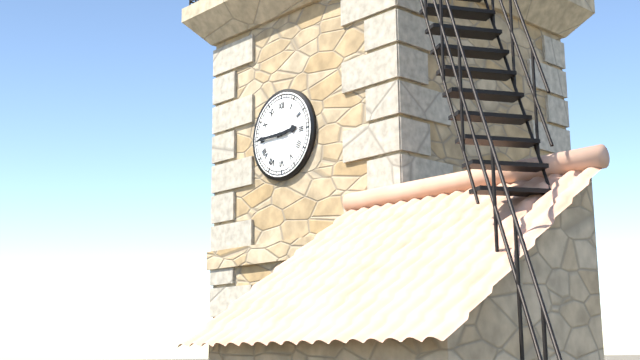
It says 2:45
